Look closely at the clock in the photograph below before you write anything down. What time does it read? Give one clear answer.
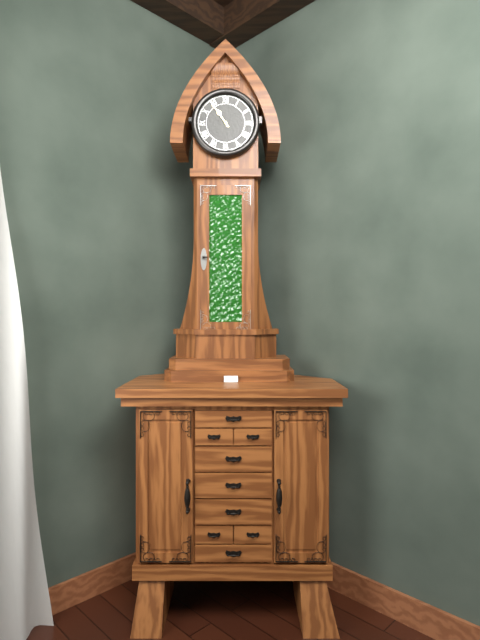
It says 10:54
